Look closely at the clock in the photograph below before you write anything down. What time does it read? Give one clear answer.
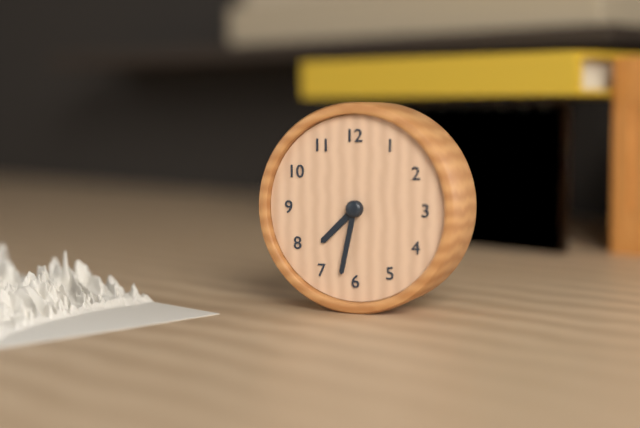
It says 7:32
